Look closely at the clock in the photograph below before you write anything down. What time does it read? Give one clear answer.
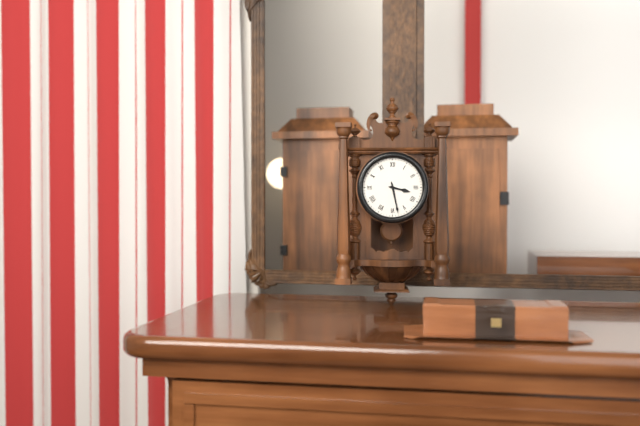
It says 3:28
